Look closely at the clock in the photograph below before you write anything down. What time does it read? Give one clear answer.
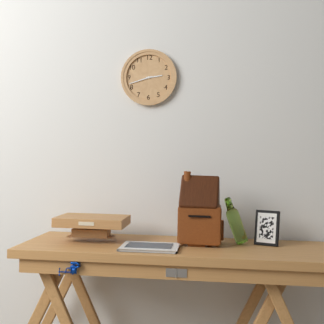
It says 2:42
